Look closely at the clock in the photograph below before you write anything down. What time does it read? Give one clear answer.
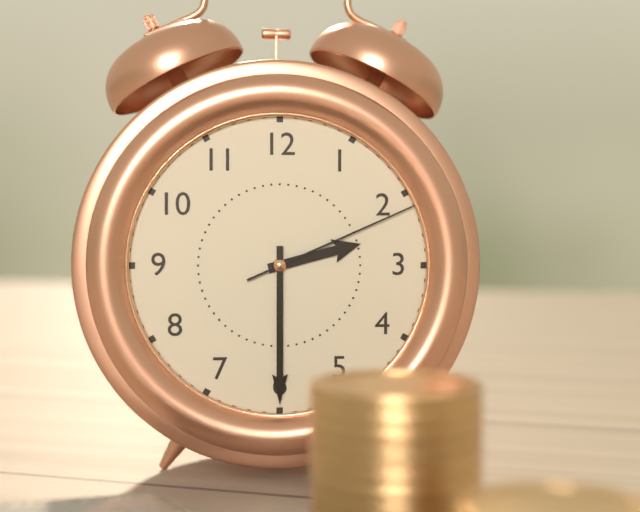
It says 2:30:11
